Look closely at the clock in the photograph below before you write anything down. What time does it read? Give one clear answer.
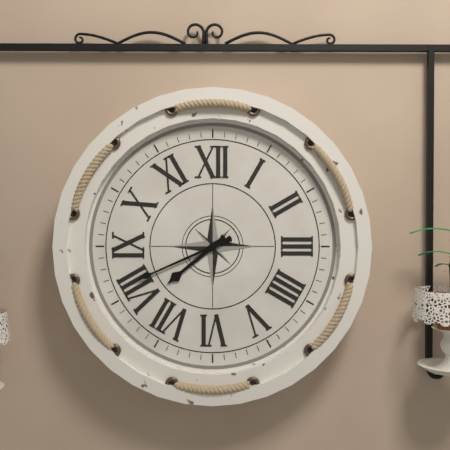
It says 7:41
